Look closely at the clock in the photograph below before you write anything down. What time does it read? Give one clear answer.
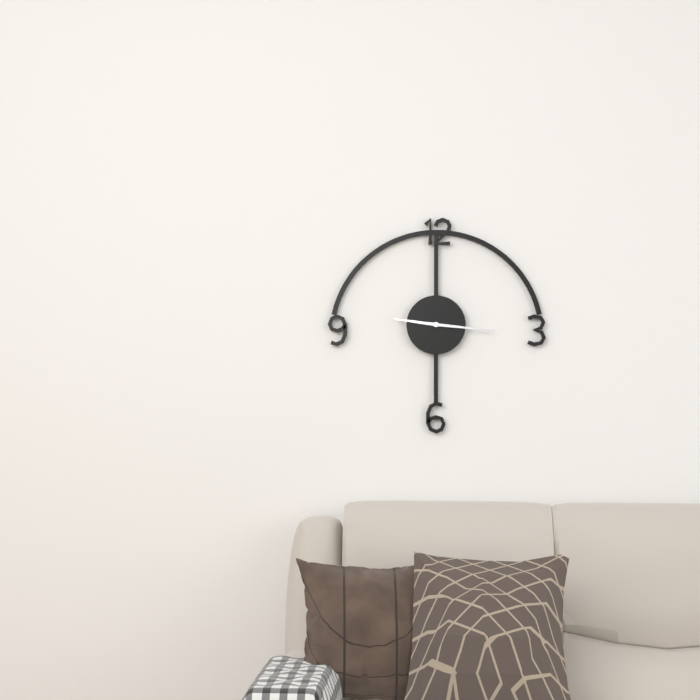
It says 9:16
